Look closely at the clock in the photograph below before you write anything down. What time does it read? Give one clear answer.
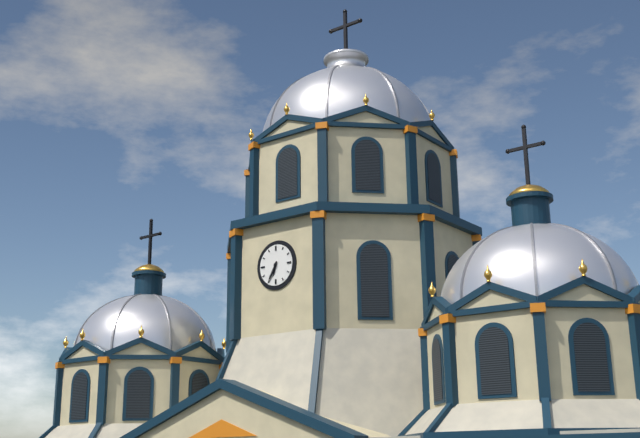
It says 6:35
